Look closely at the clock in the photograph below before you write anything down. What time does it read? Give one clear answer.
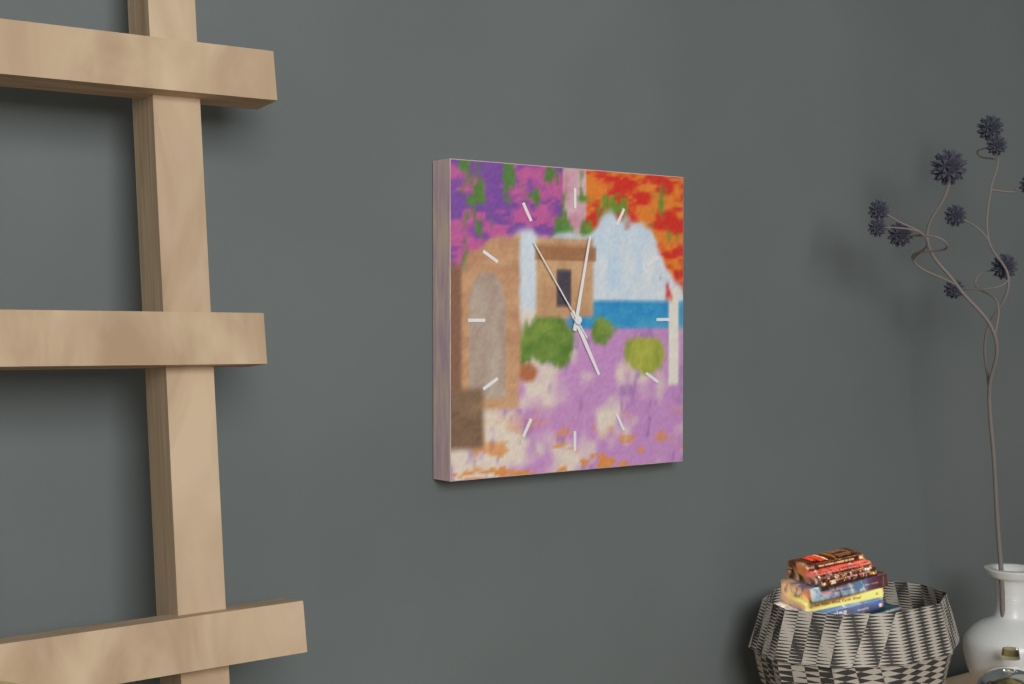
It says 5:02:54
